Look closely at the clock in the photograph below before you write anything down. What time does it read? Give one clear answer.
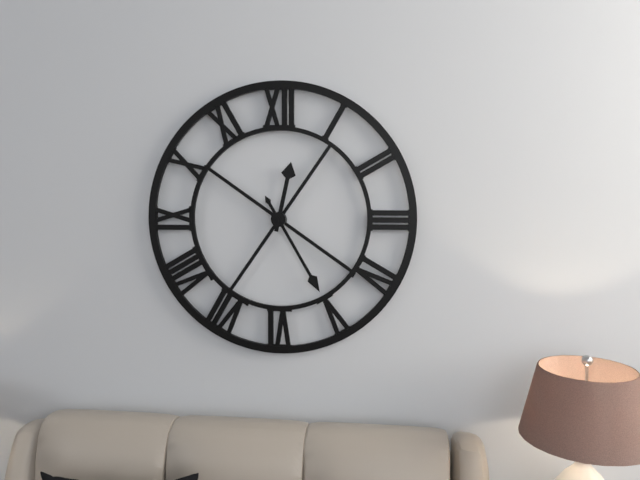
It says 12:25
